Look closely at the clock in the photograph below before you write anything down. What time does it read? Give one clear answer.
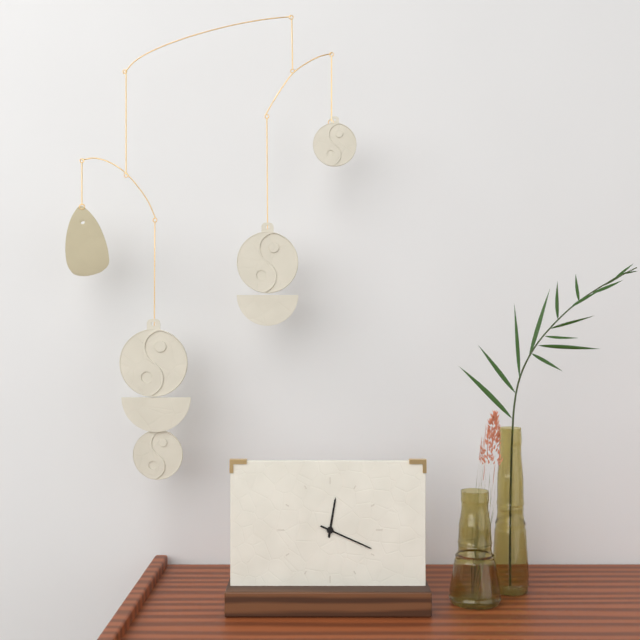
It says 12:19
